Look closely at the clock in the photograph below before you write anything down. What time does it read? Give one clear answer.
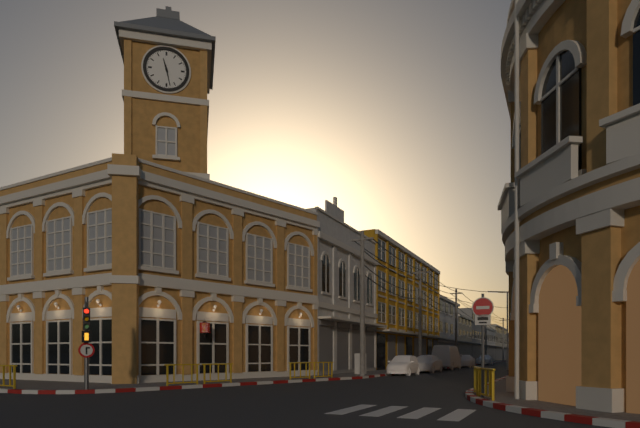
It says 11:28
